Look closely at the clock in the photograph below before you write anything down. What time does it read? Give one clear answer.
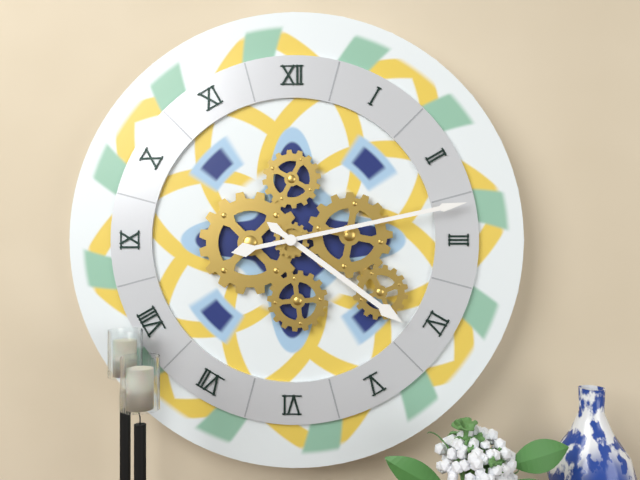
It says 4:13
